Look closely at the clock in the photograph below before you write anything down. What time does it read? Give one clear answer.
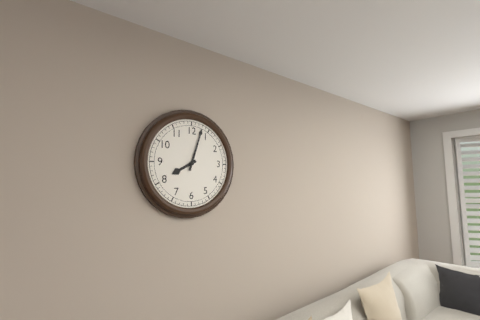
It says 8:03
